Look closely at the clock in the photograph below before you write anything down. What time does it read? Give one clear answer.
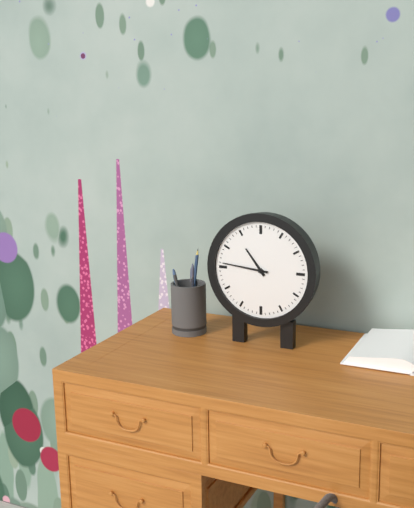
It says 10:46
